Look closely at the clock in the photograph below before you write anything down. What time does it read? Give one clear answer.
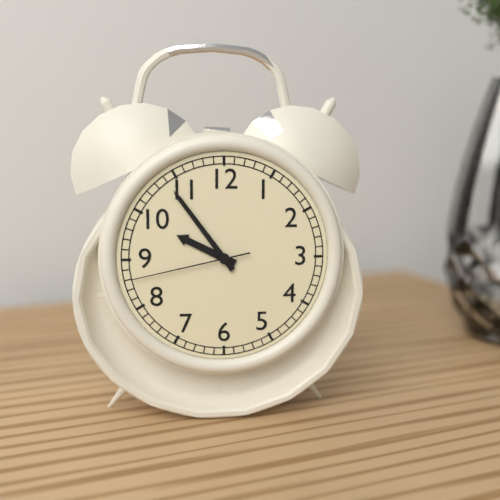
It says 9:54:43
